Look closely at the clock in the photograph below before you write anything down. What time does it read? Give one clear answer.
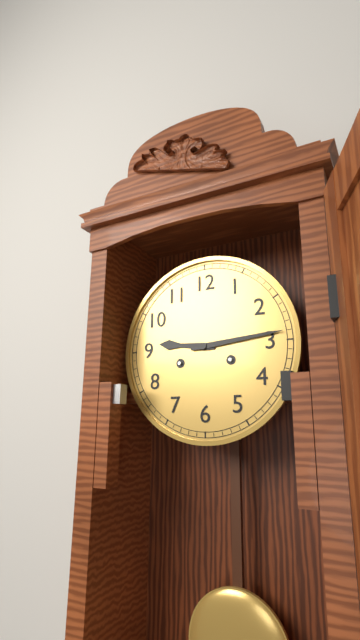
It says 9:14
